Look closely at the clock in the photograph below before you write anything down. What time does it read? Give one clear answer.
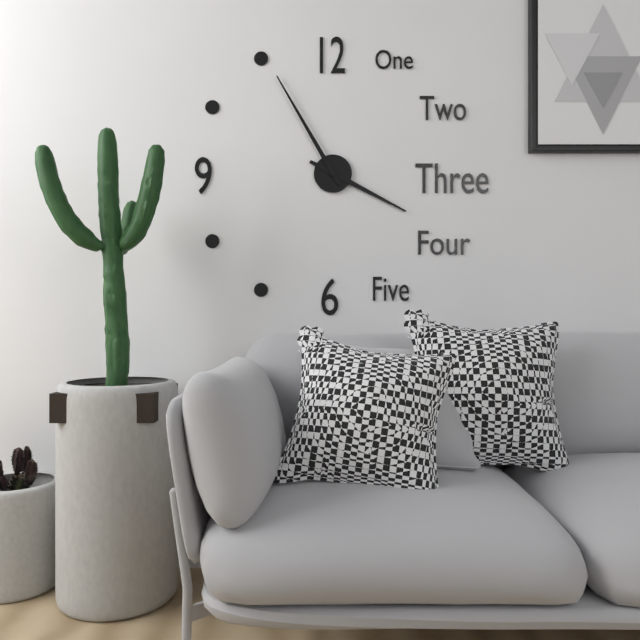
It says 3:55
